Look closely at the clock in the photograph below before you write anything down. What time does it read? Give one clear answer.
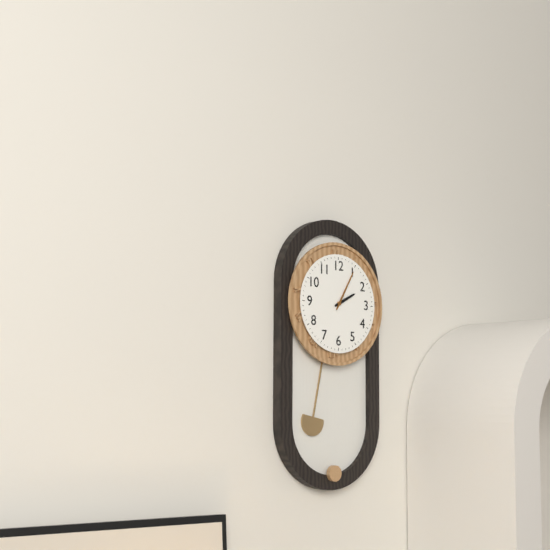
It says 2:05
